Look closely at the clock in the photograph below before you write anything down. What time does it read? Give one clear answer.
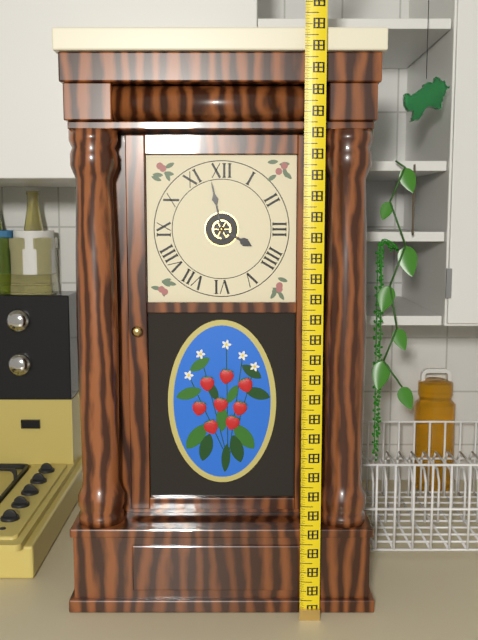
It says 3:58
